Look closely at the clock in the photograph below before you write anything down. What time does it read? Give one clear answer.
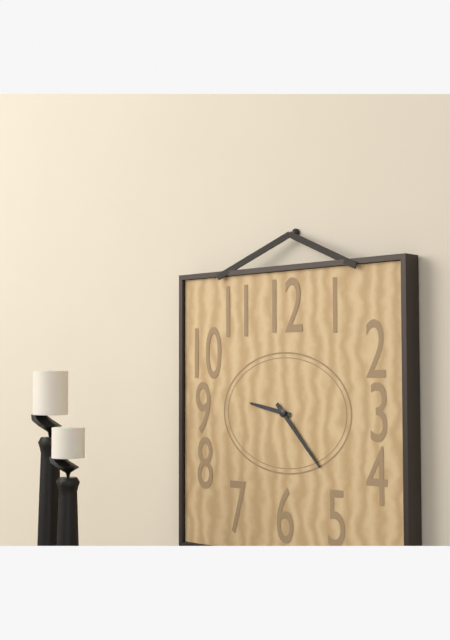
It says 9:23
